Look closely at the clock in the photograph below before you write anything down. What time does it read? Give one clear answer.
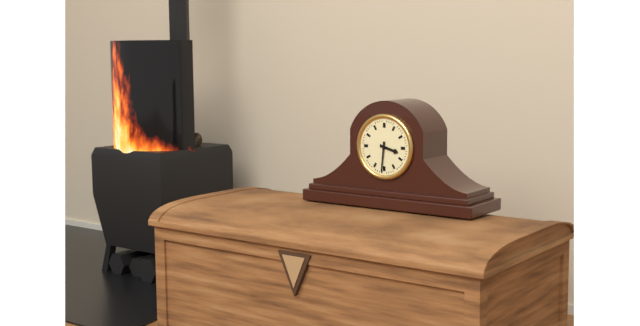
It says 3:31
